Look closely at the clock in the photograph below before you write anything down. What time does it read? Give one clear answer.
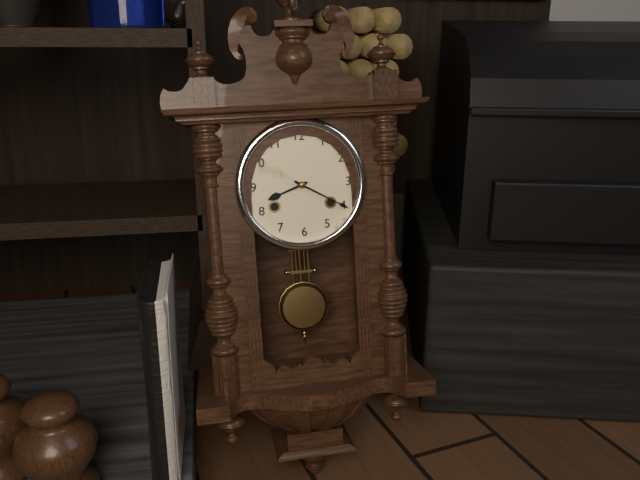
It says 8:20
